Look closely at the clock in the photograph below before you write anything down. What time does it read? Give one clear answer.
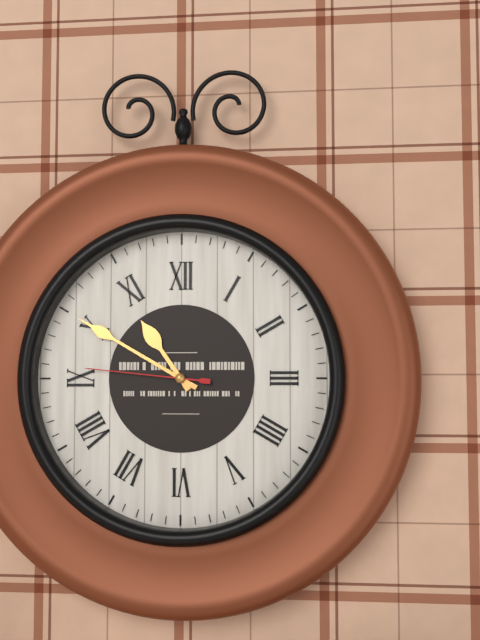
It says 10:50:46
